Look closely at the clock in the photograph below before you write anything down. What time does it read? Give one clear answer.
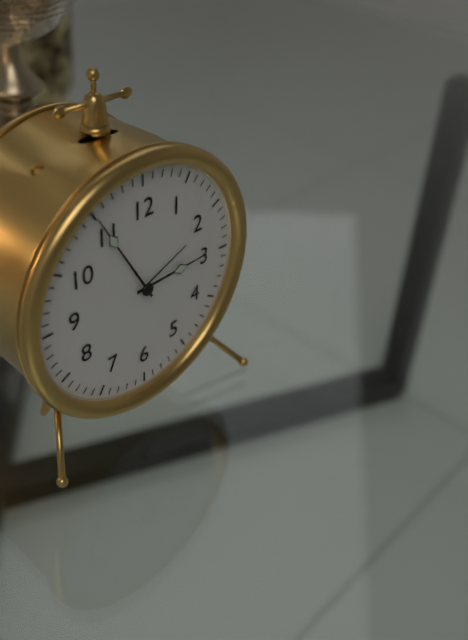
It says 2:55
